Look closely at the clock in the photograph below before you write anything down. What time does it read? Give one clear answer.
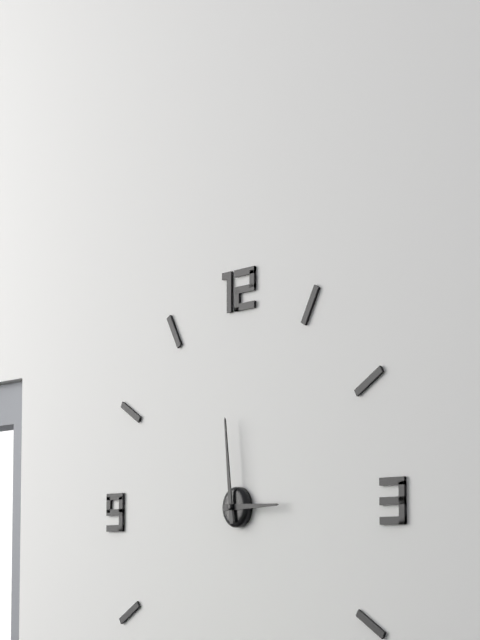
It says 2:59
